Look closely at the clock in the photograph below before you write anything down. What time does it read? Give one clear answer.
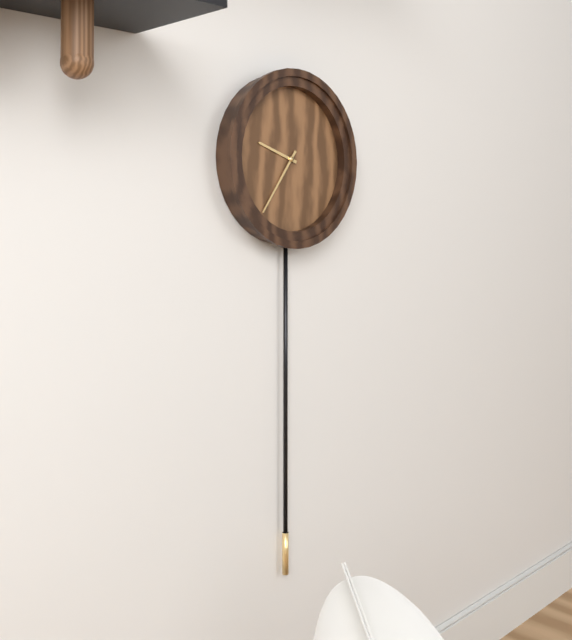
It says 9:36
